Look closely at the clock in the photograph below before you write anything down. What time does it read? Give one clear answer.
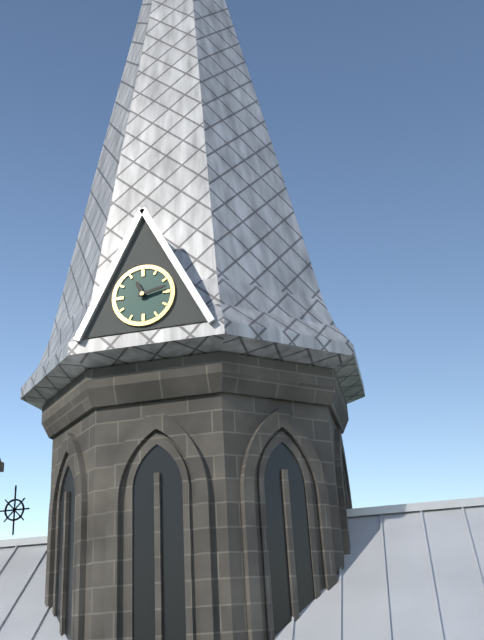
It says 11:13
